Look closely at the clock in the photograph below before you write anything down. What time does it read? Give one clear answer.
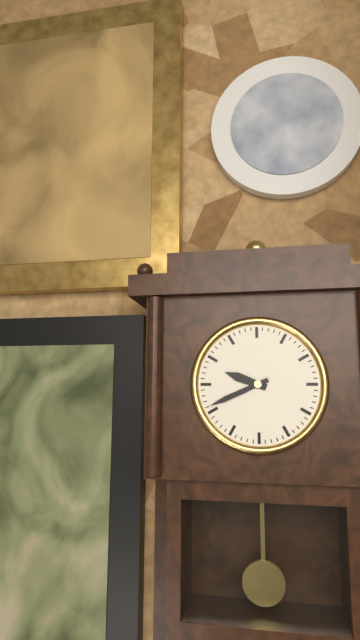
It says 9:41
